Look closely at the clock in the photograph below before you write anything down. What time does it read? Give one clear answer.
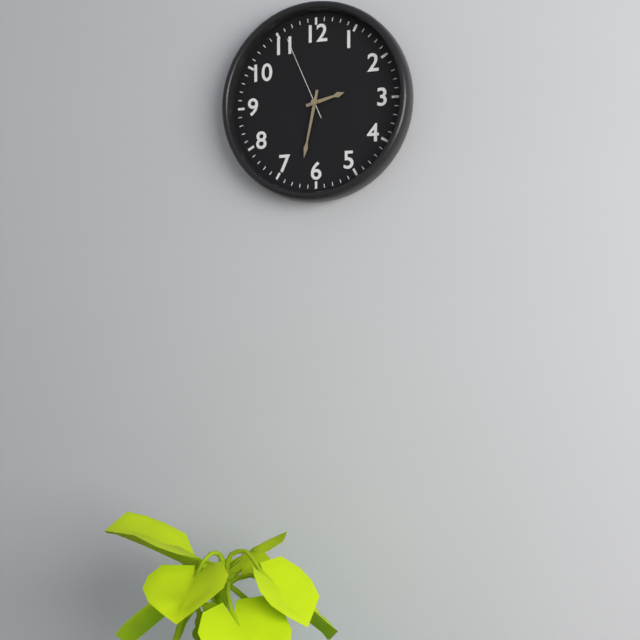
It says 2:32:56
